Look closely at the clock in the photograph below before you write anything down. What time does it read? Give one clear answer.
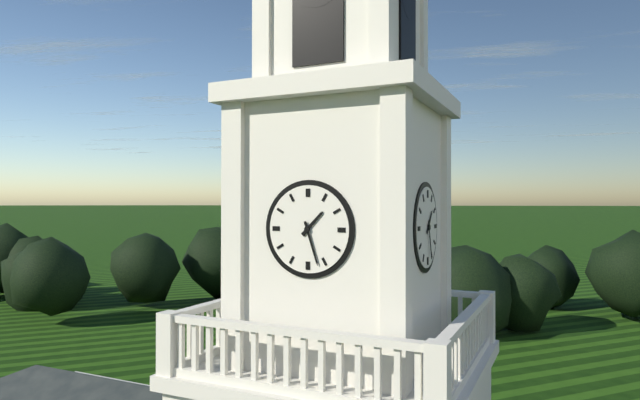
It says 1:27
